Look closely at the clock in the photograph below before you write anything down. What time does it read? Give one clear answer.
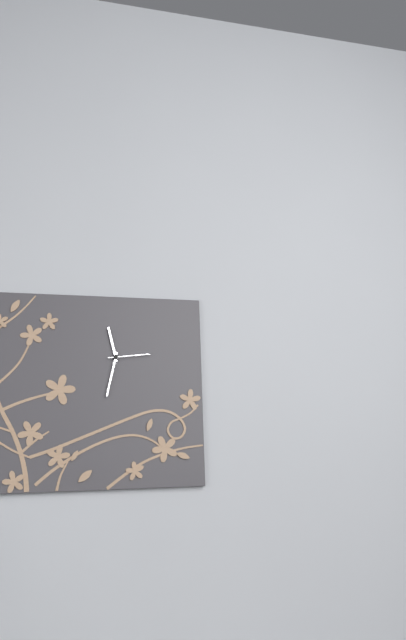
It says 11:32
